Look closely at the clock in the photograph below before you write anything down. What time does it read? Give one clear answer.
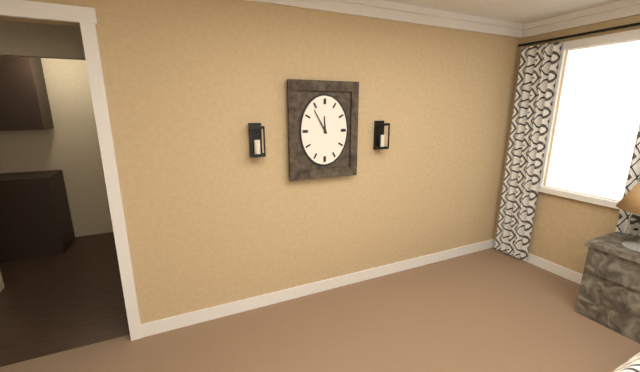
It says 11:55
